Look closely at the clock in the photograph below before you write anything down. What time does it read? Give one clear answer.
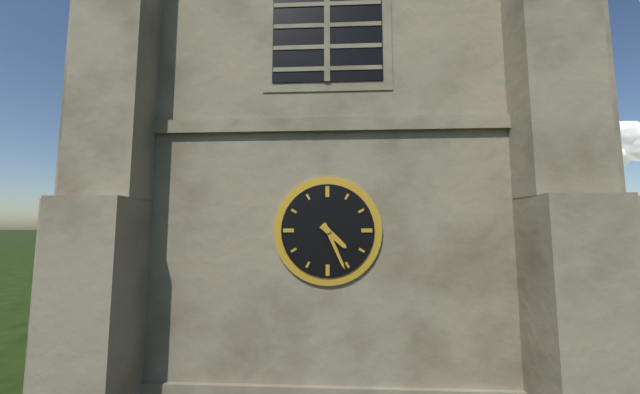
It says 4:26
